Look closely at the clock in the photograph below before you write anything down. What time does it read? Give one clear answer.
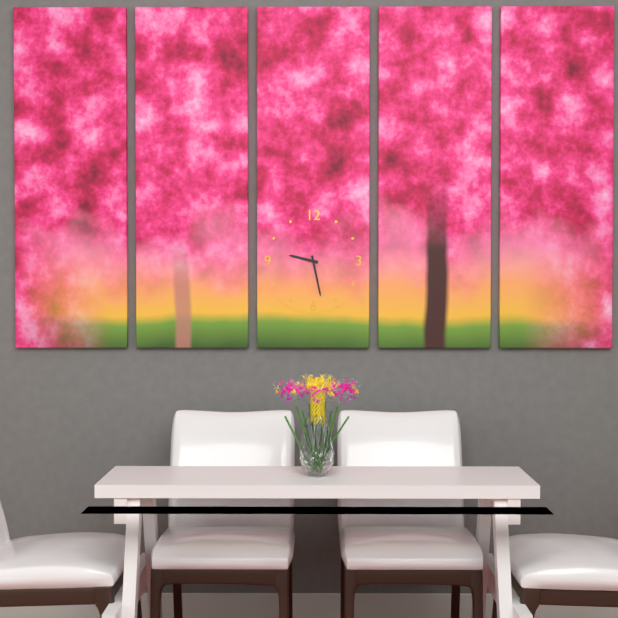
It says 9:28
